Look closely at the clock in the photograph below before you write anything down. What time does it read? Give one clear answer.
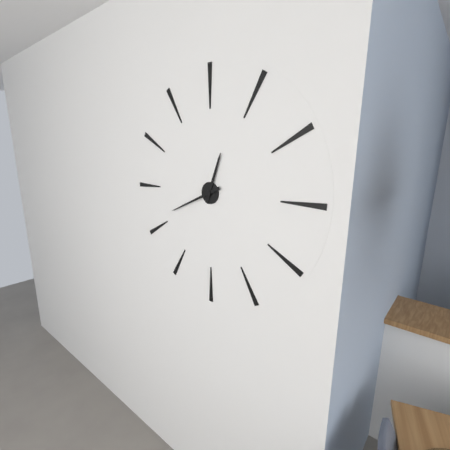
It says 12:41
